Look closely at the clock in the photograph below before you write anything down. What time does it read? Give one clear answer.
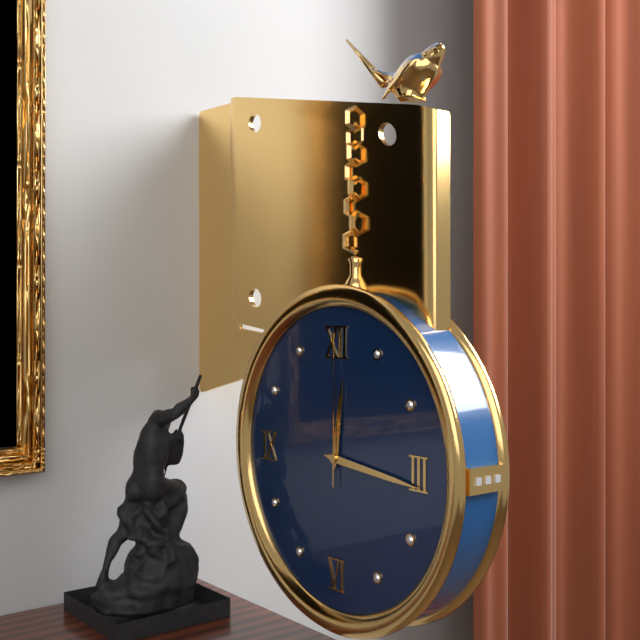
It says 12:16:00
